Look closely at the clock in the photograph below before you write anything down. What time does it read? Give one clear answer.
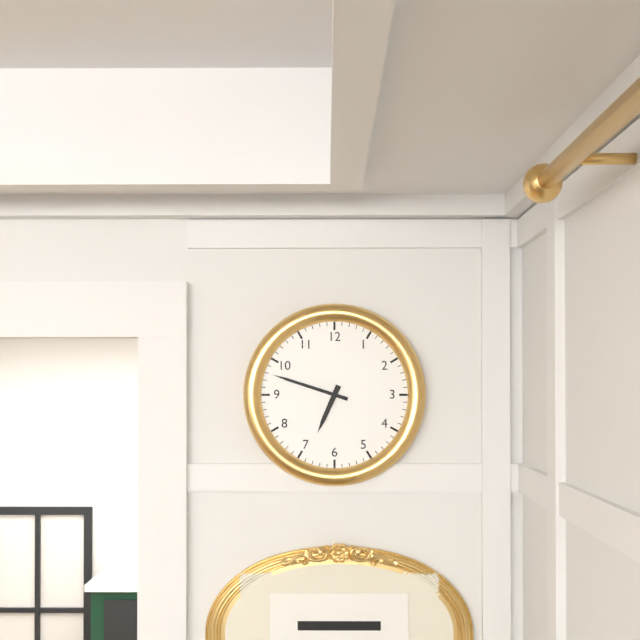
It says 6:48
